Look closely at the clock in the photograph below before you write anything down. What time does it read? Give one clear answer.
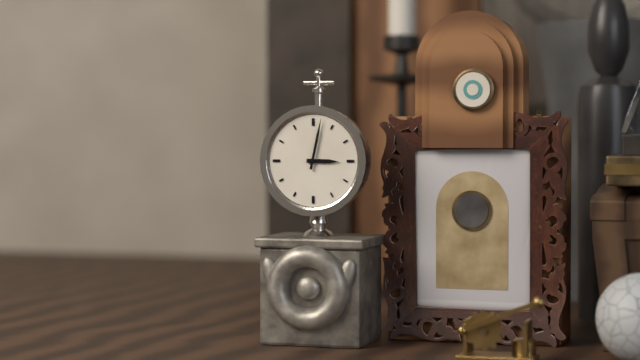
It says 3:02
